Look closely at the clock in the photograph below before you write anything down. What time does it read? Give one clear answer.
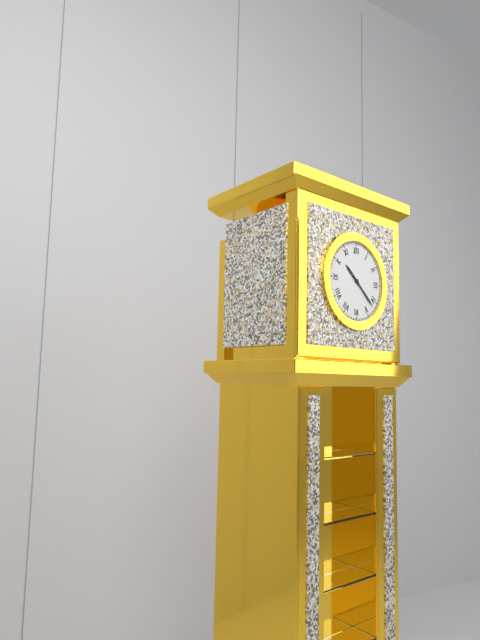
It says 10:22
